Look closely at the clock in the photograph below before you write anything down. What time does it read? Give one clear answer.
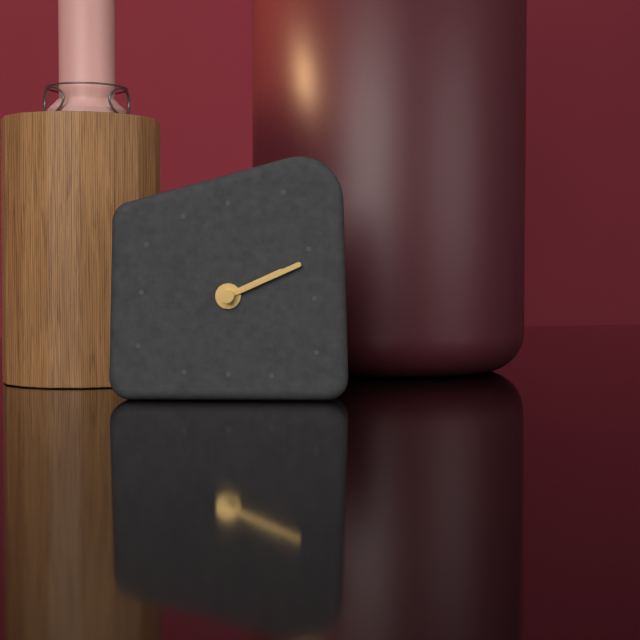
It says 2:11
